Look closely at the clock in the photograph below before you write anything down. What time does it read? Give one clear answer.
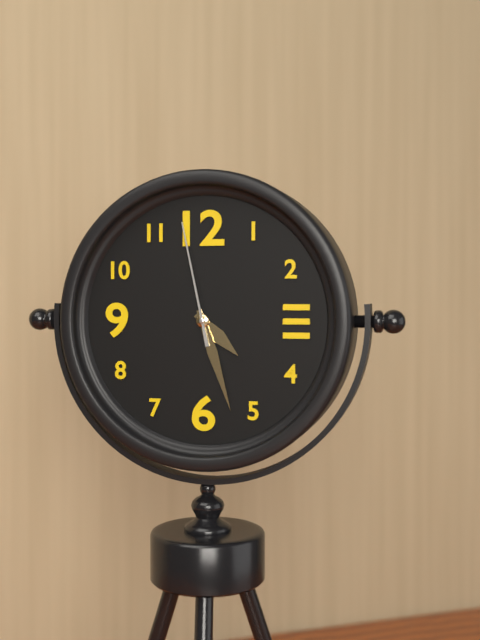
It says 4:27:58
